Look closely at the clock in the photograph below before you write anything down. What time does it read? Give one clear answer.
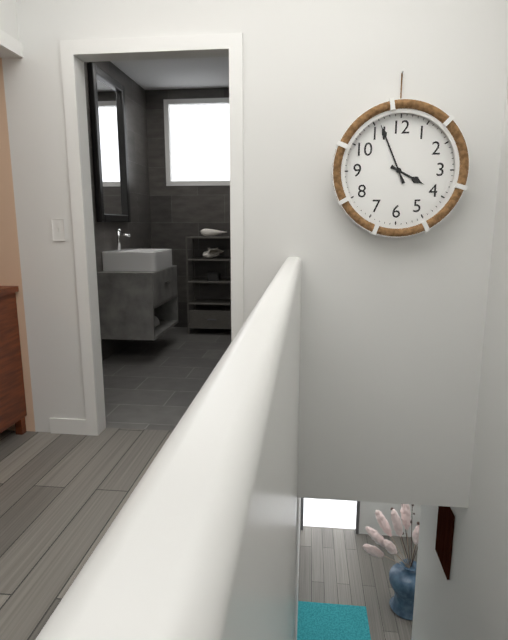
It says 3:56
